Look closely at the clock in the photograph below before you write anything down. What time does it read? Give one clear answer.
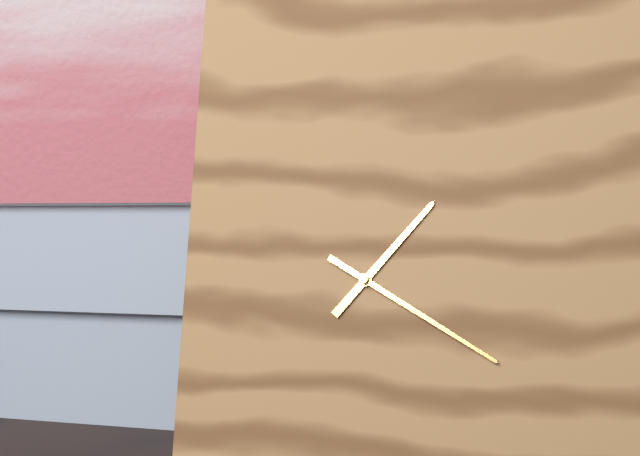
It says 1:20
